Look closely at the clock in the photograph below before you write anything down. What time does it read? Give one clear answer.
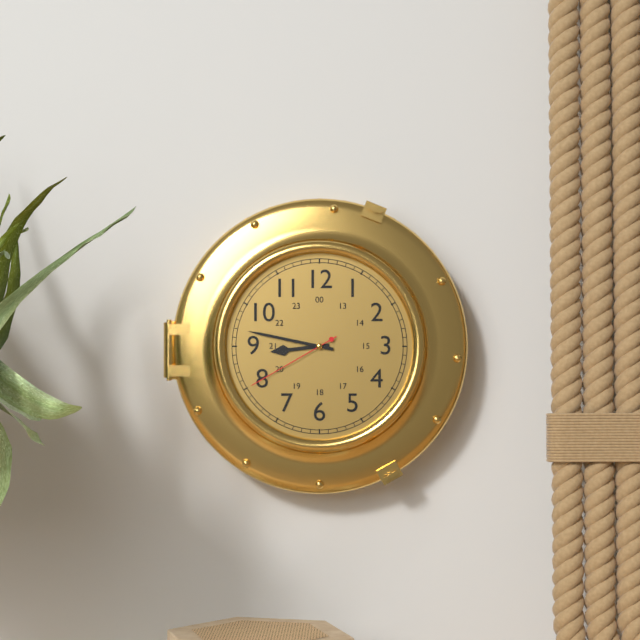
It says 8:47:40
